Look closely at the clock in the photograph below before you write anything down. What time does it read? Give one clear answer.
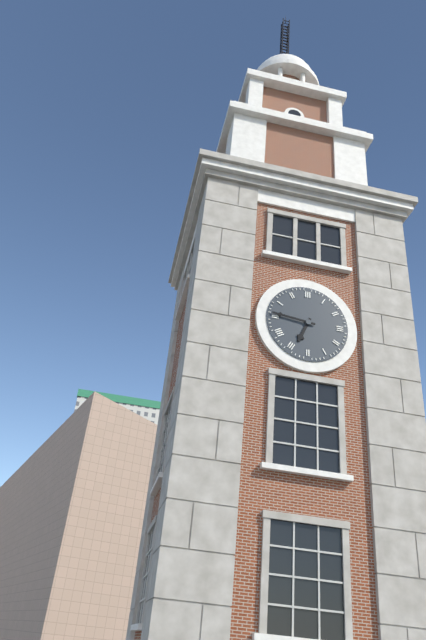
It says 6:46
